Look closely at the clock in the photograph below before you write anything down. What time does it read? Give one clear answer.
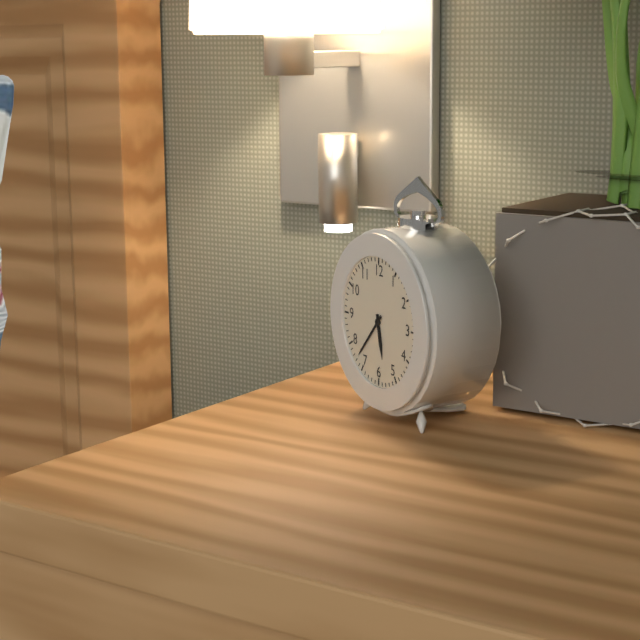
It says 5:37
